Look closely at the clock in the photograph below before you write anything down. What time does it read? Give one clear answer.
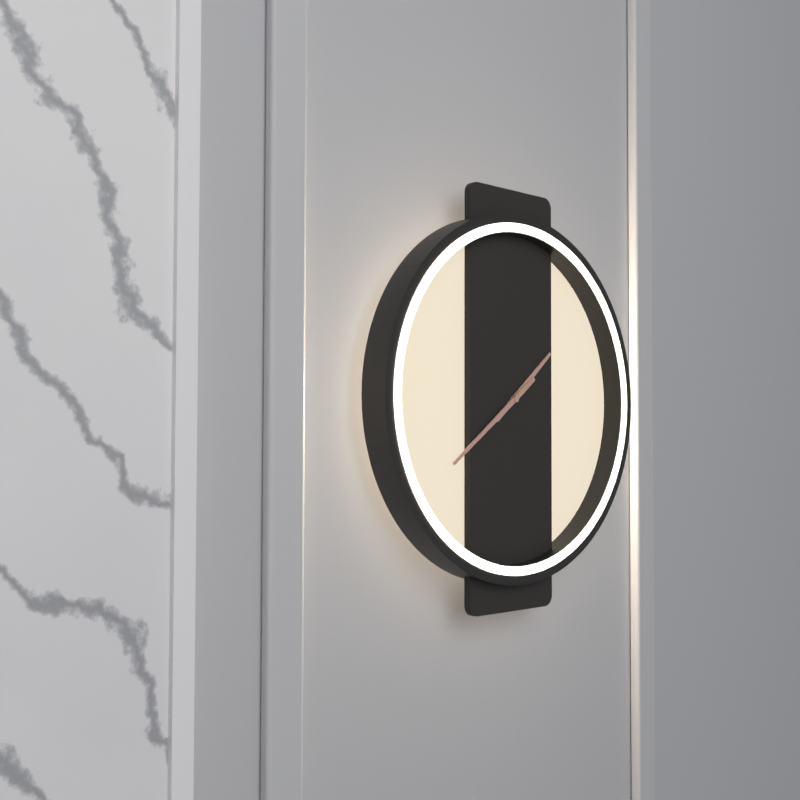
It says 1:39
